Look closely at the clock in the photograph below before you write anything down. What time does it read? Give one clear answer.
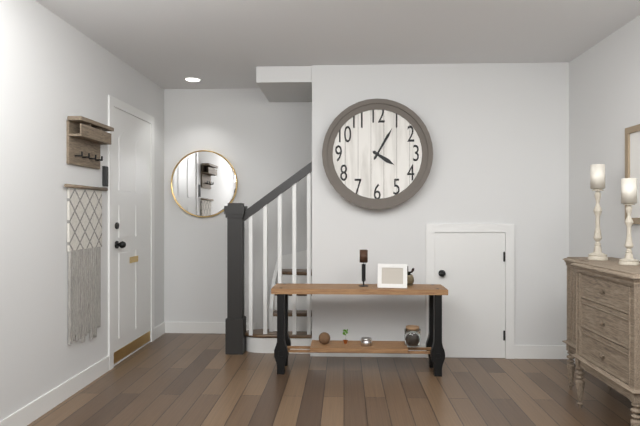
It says 4:05
